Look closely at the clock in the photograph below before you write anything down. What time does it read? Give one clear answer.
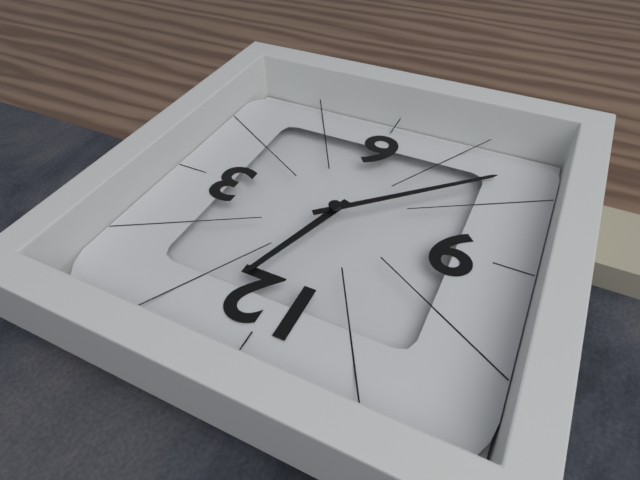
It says 12:38
